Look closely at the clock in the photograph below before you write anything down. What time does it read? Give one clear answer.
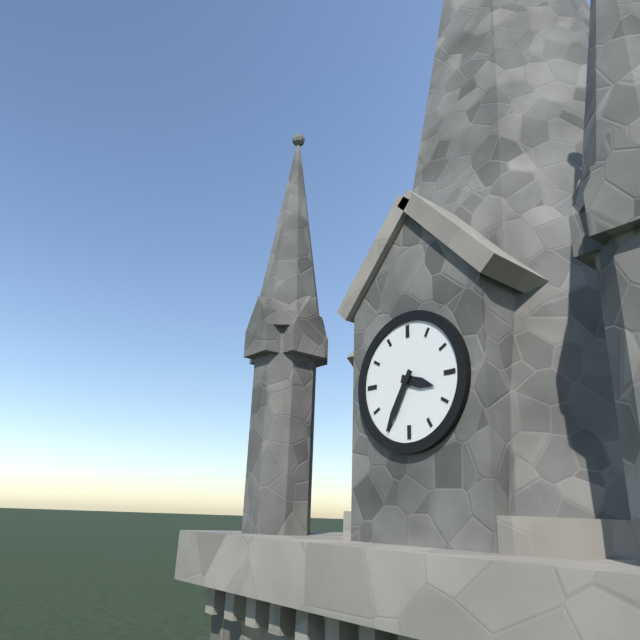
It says 3:35
